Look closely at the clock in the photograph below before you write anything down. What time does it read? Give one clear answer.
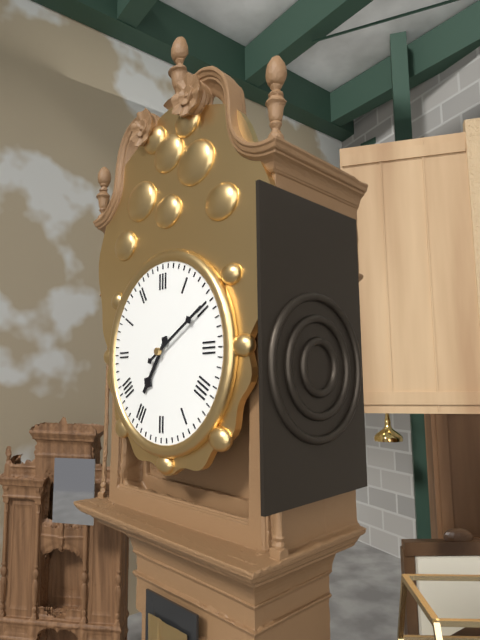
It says 7:10
